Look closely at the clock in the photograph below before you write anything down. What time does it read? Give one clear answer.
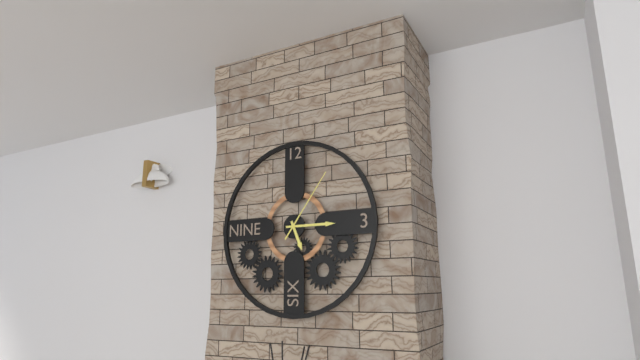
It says 5:15:06
